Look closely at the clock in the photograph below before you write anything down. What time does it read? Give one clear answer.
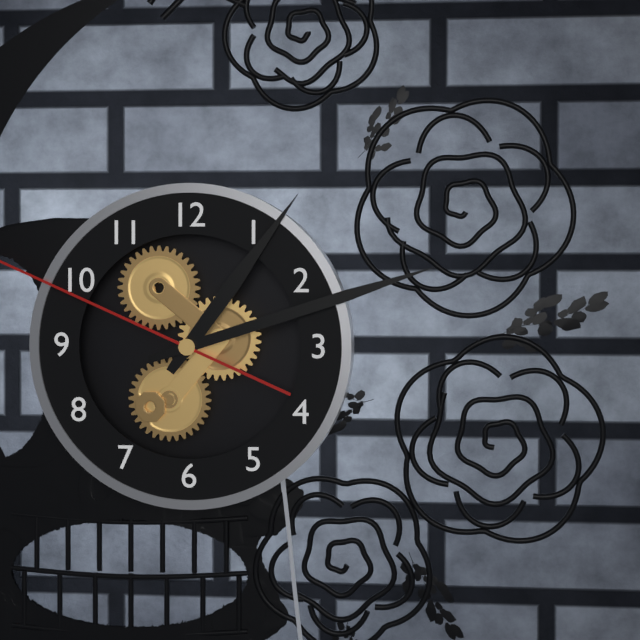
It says 1:12
